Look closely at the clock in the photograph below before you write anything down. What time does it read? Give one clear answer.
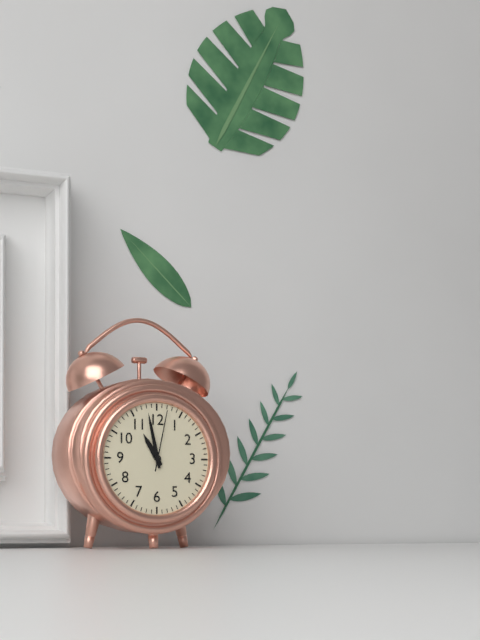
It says 10:58:02
